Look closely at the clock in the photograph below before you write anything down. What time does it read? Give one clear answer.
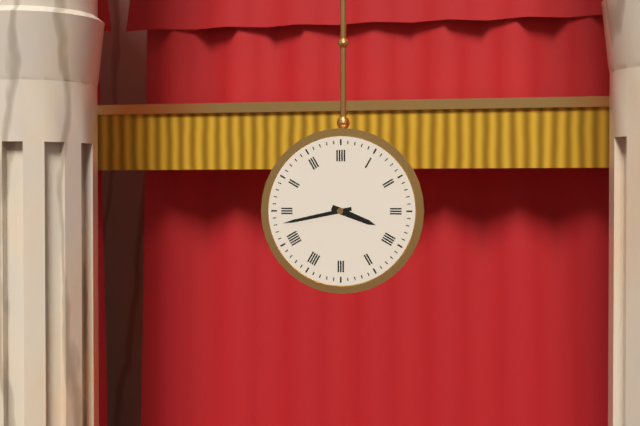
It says 3:43
